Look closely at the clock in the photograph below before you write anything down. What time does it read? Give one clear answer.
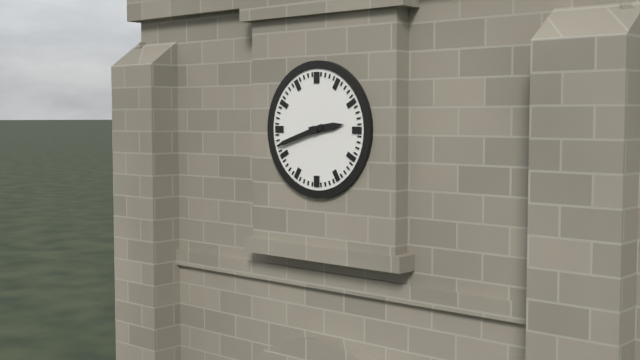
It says 2:42
